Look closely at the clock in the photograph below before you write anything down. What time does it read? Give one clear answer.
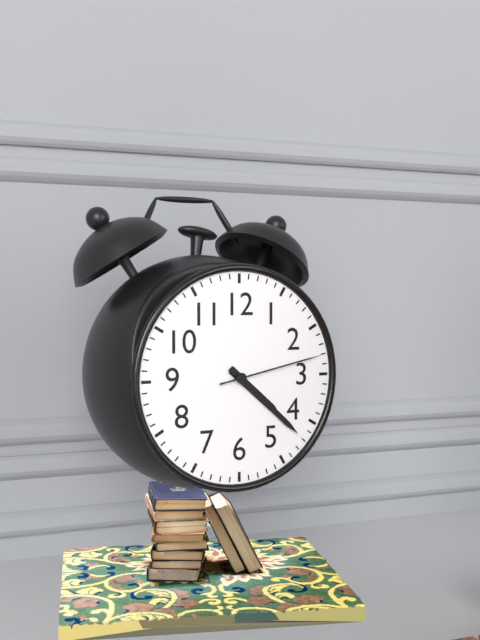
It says 4:22:13
